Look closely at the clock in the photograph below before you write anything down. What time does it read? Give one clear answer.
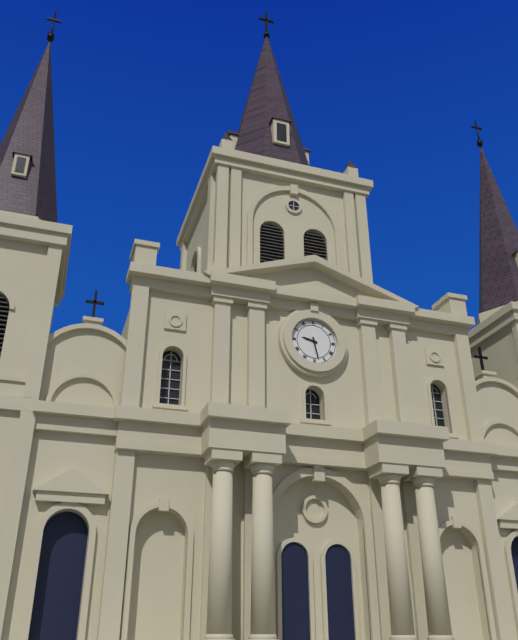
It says 9:28
